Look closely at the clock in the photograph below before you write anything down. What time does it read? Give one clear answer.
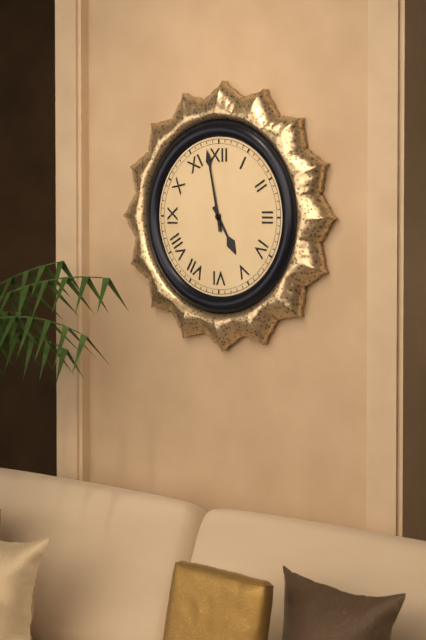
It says 4:58
